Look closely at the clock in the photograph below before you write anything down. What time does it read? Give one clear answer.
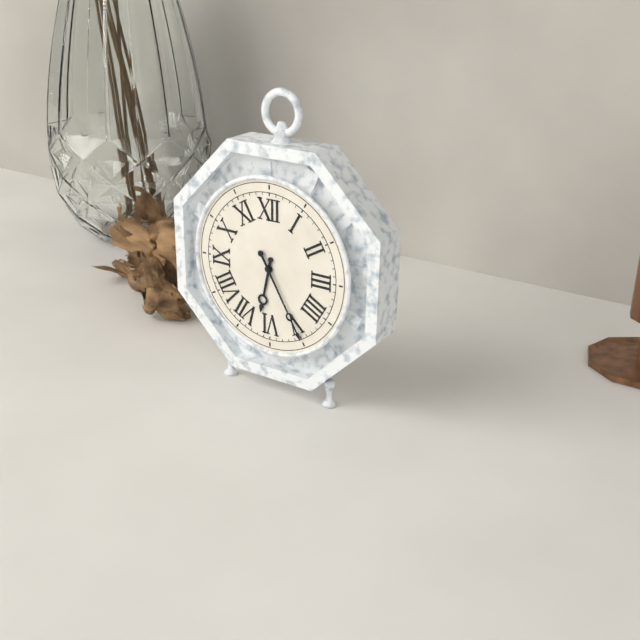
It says 6:25
